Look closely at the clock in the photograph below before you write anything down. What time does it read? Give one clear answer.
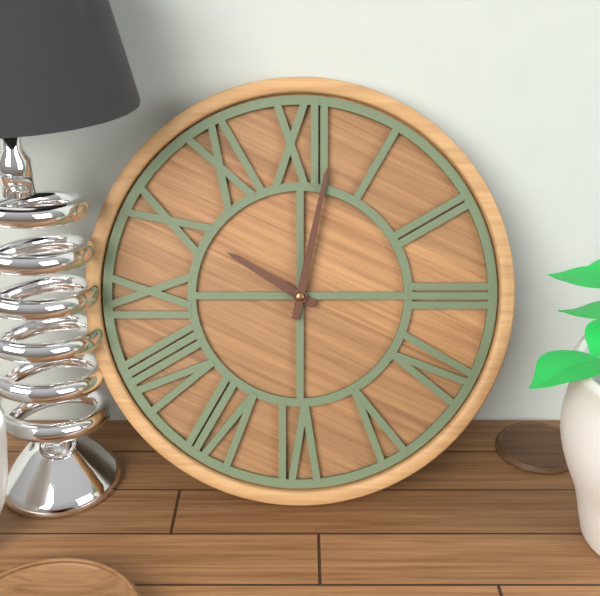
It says 10:02
